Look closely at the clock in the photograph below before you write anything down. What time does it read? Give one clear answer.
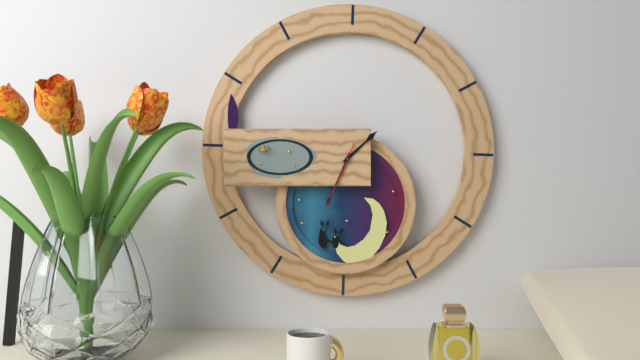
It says 1:34:34
